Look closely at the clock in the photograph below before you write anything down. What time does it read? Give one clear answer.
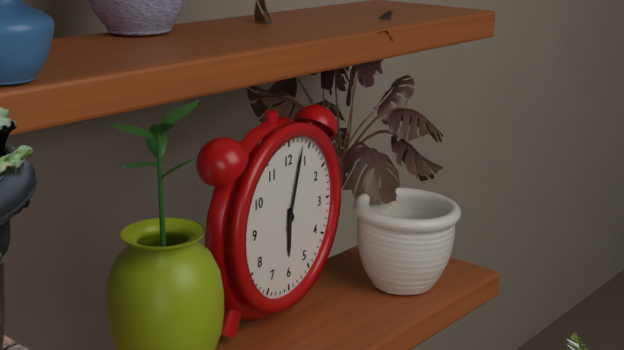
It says 6:03
